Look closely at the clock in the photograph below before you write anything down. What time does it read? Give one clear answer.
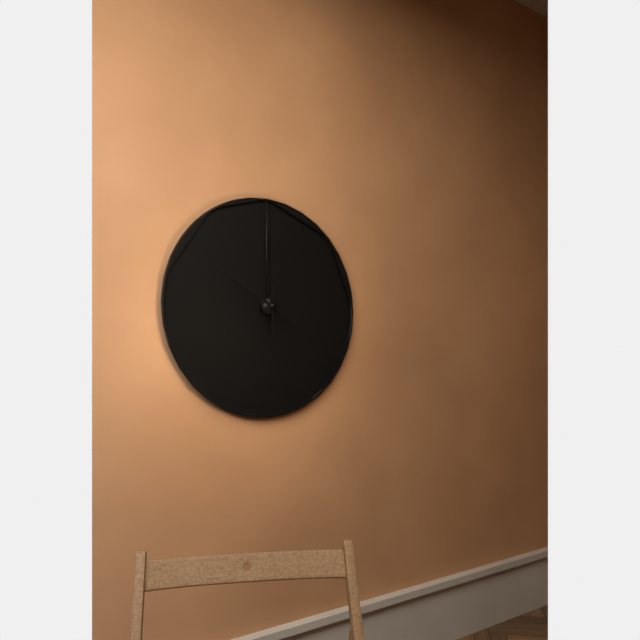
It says 10:00
